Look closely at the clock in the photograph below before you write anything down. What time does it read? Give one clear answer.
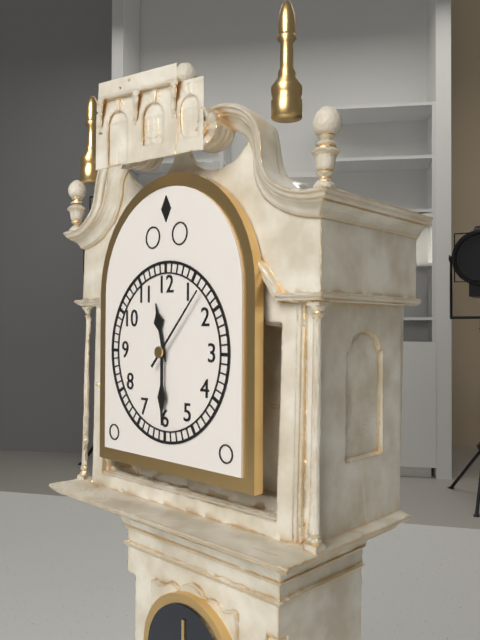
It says 11:30:07
